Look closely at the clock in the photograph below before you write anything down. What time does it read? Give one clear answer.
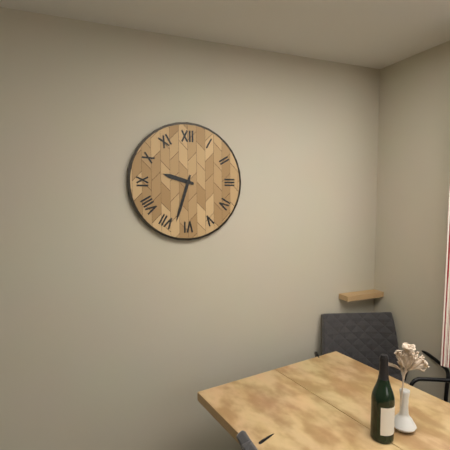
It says 9:33
